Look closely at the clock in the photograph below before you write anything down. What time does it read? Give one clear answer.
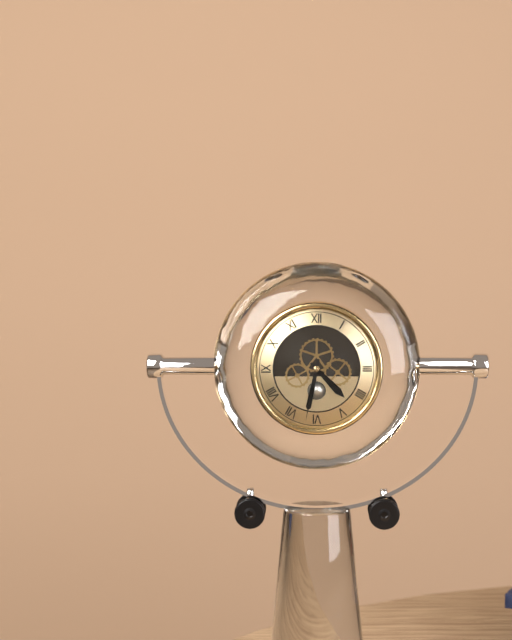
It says 4:32
